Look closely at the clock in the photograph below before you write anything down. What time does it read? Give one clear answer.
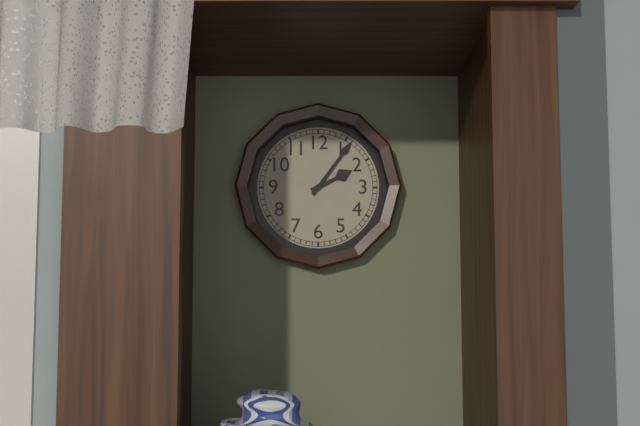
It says 2:06
